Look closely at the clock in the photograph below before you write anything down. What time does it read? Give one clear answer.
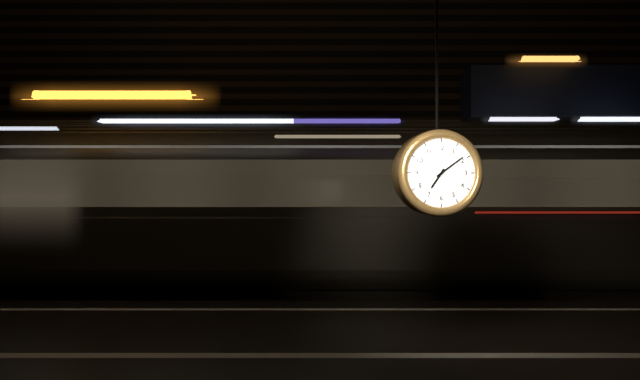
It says 7:09
